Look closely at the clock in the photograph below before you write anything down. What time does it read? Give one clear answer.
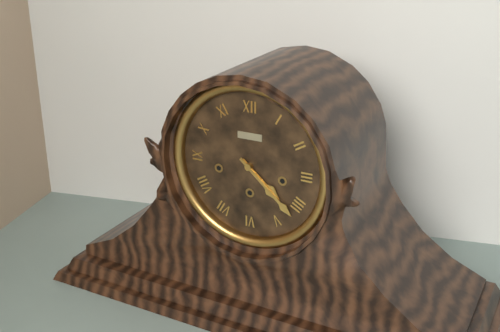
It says 4:22
